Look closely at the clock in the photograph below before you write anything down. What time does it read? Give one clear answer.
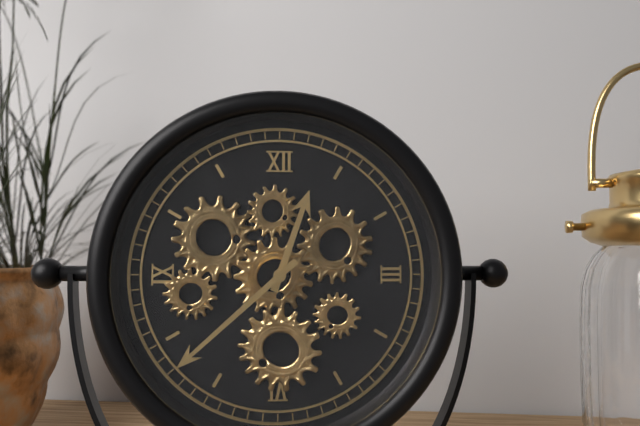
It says 12:38
